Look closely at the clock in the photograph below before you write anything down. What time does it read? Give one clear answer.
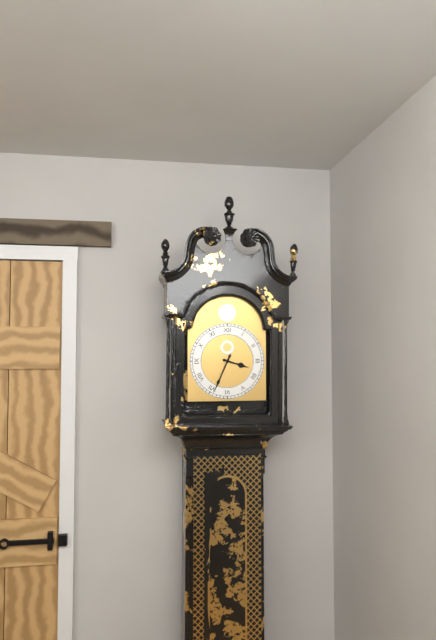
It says 3:34
